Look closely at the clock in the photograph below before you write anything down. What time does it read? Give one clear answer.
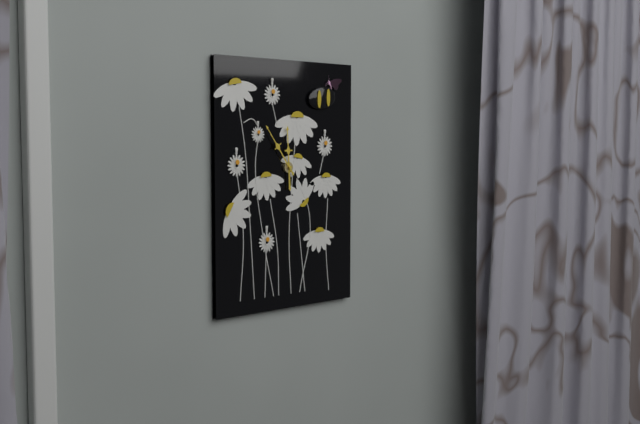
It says 11:54
